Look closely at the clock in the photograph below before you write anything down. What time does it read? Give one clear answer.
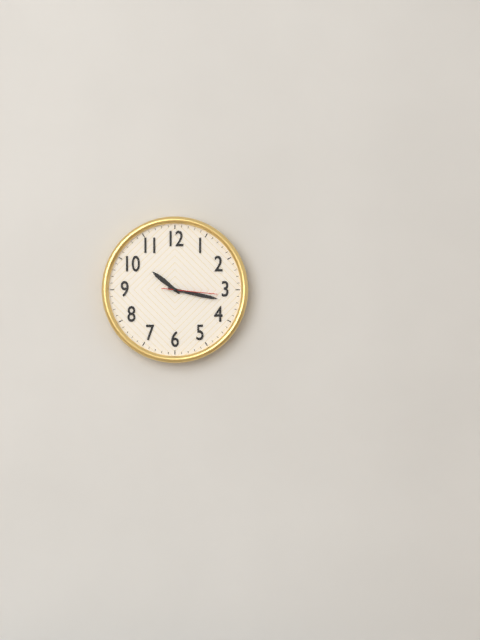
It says 10:17:16
